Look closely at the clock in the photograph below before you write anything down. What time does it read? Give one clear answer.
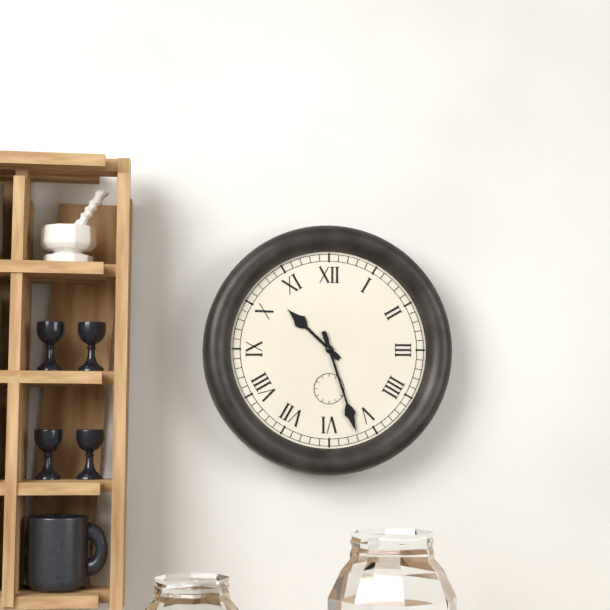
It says 10:27
